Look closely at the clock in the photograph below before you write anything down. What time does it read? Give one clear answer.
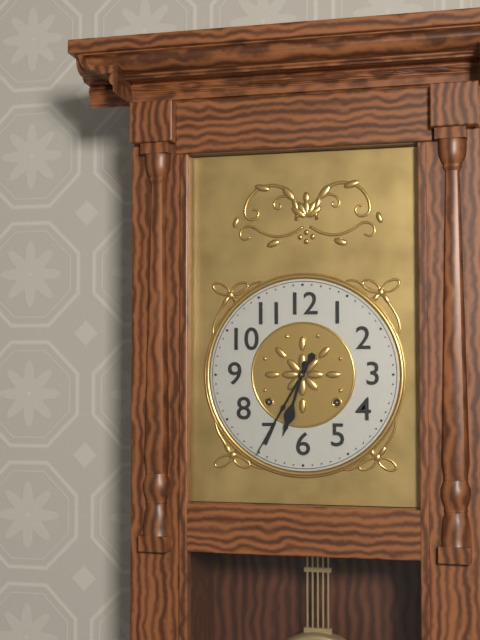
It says 6:35
